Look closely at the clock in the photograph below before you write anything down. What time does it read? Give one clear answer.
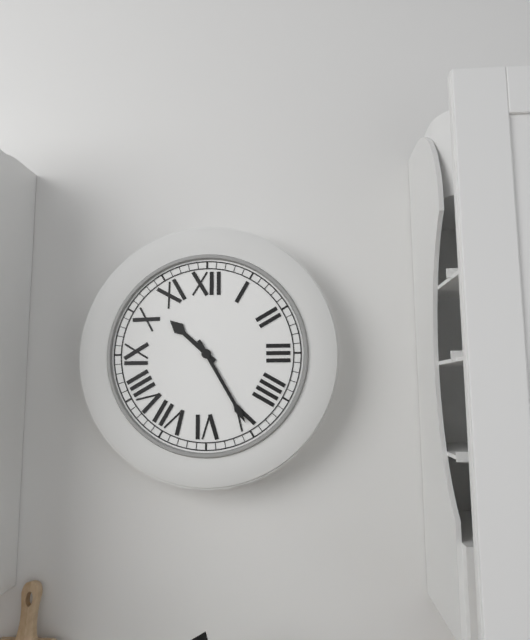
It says 10:25
